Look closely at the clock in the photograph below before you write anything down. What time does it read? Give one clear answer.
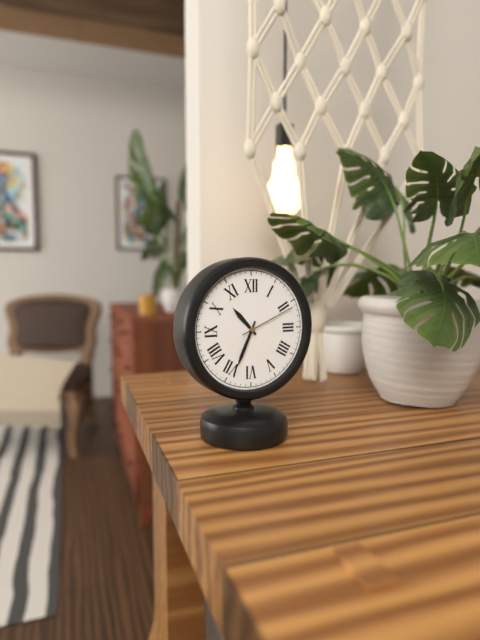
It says 10:34:11
